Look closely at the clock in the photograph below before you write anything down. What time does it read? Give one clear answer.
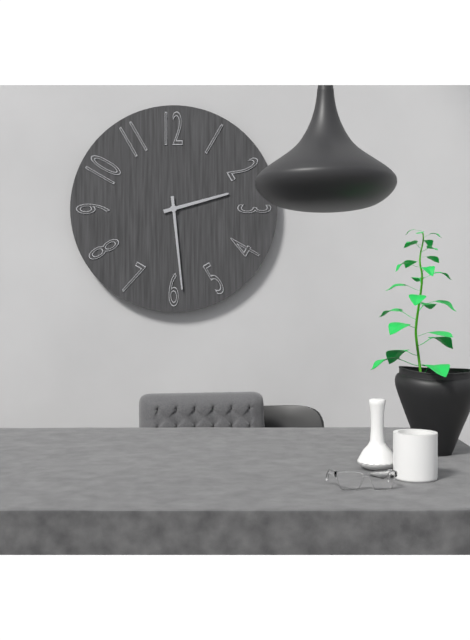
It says 2:29
